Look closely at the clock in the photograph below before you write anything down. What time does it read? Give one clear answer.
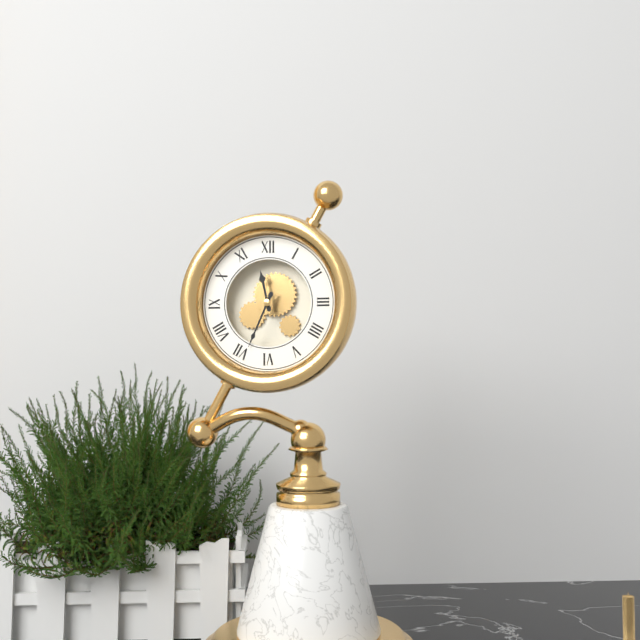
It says 11:34
